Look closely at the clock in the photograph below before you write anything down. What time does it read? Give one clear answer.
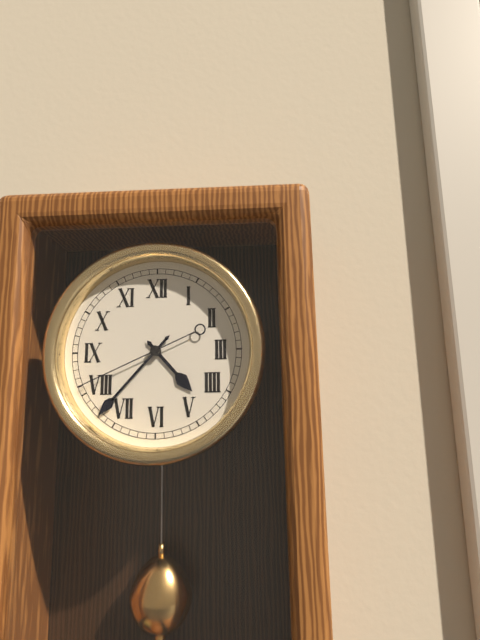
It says 4:37:41
